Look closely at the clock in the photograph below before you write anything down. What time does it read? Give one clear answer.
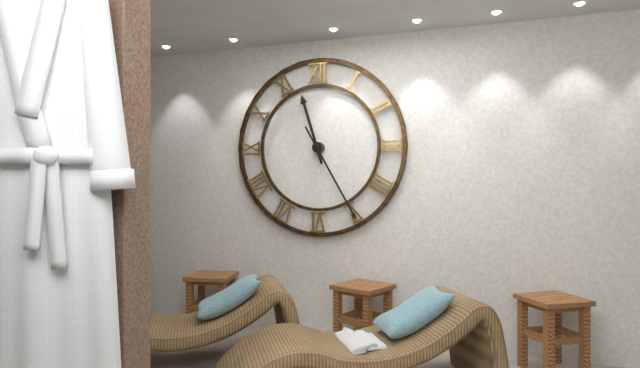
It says 11:25
